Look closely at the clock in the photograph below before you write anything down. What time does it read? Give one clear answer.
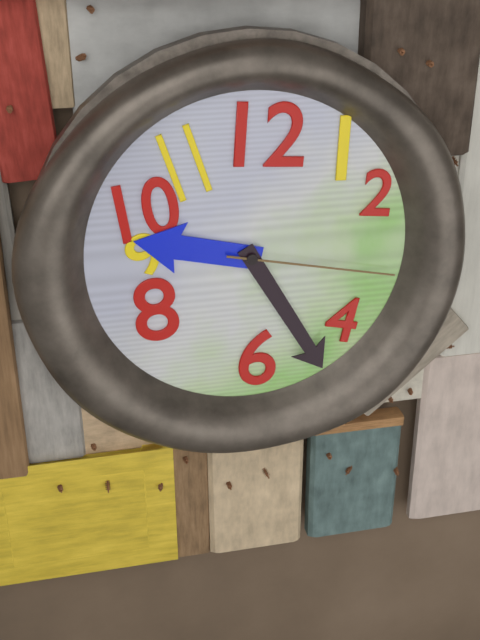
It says 9:25:17
